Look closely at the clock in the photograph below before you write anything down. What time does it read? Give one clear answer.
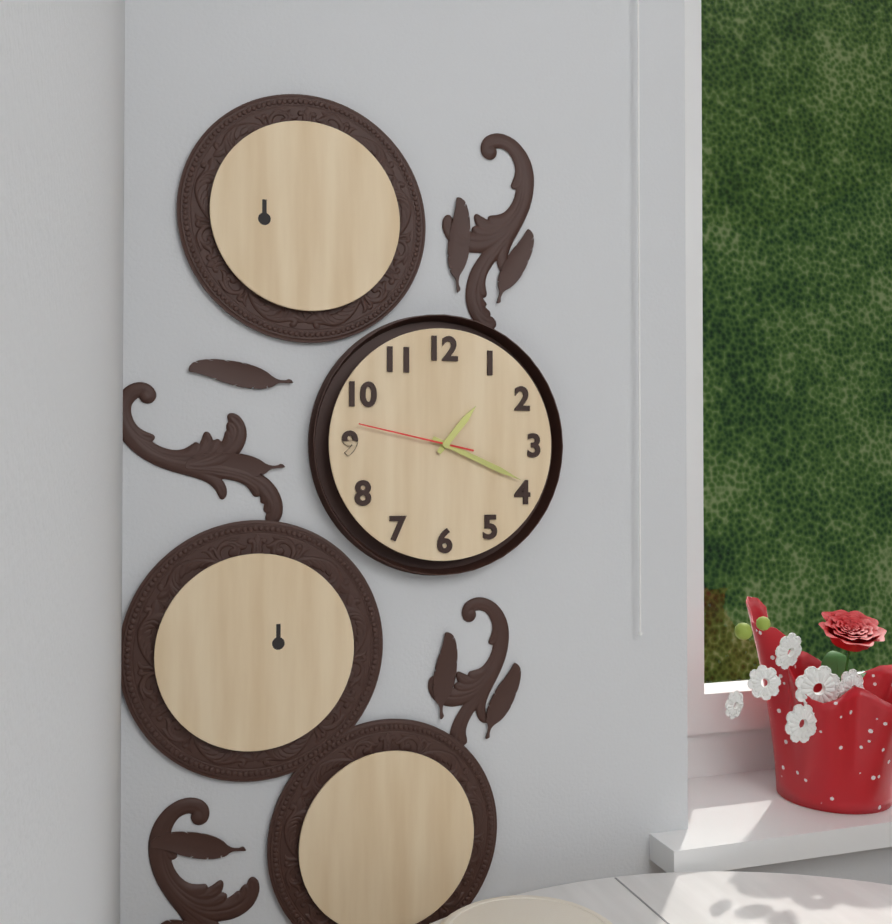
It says 1:19:47
